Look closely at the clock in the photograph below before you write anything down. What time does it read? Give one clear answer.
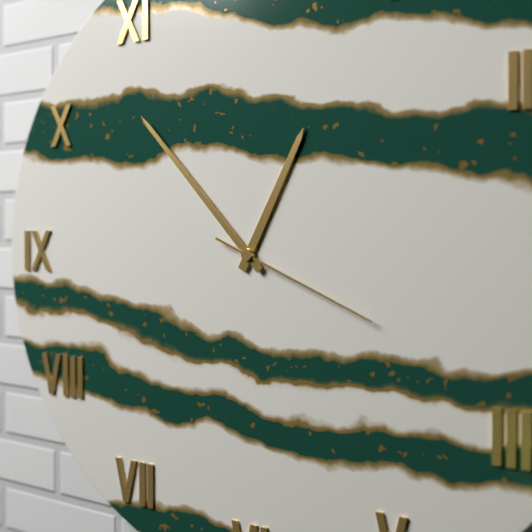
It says 12:53:19
